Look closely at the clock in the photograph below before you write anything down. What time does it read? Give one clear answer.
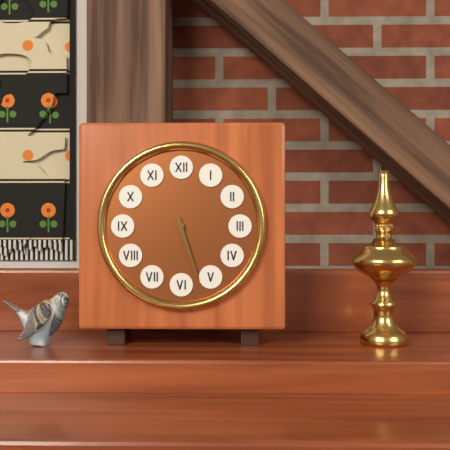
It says 5:27
